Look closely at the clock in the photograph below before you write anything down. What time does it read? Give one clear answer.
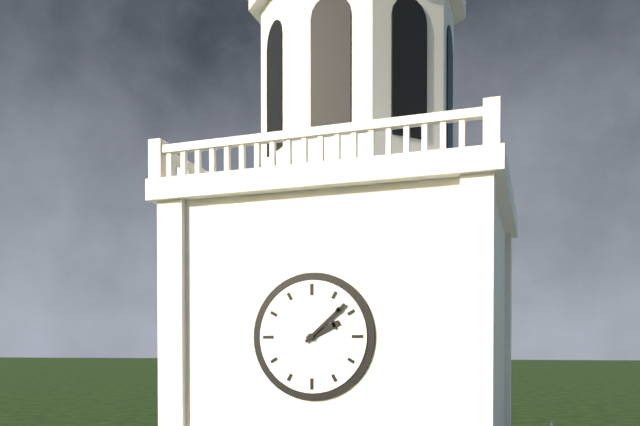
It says 2:08
